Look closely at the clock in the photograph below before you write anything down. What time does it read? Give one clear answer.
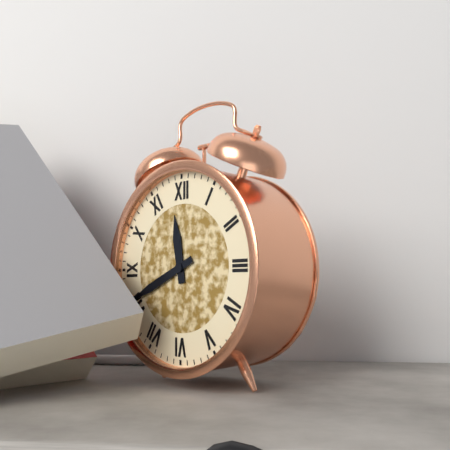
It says 11:41
